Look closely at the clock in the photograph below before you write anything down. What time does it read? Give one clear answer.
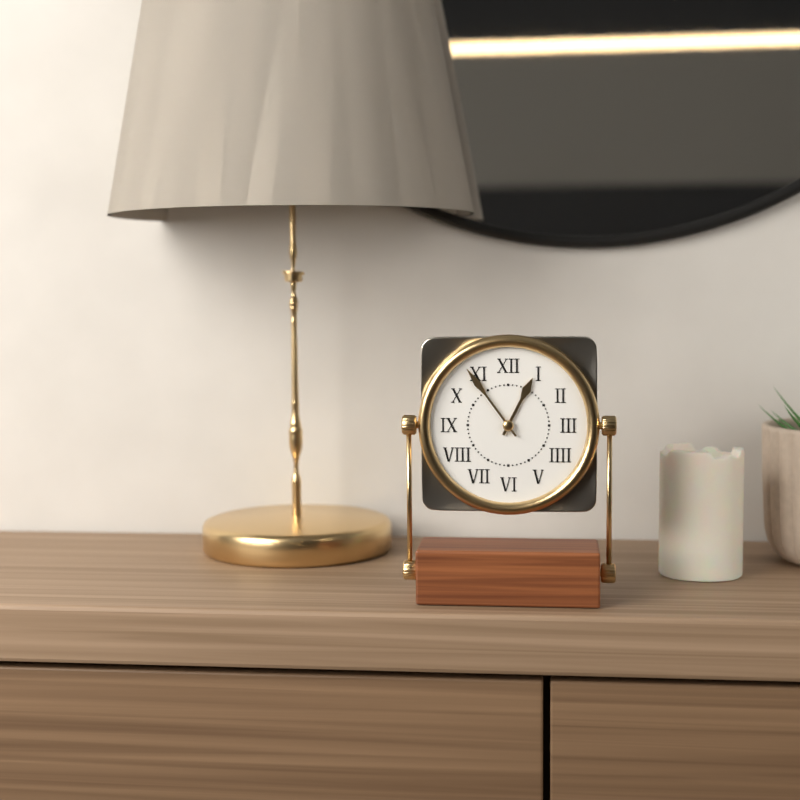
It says 12:54
